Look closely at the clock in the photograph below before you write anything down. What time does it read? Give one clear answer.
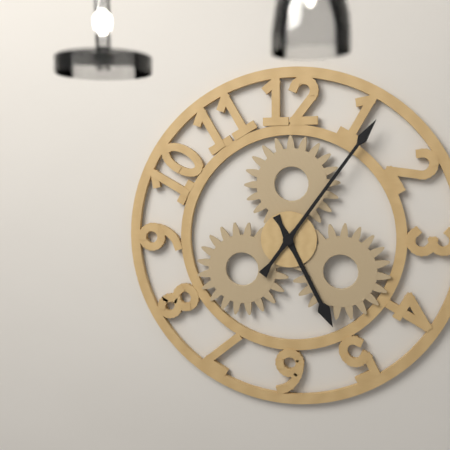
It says 5:06
